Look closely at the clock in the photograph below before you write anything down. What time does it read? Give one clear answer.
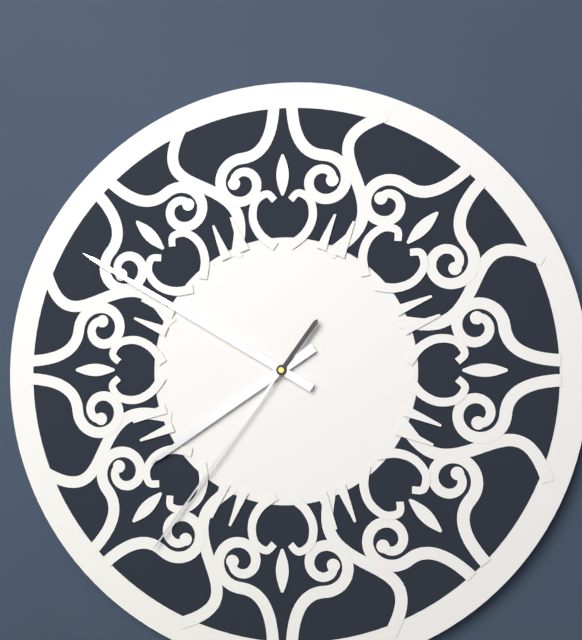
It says 7:50:36
